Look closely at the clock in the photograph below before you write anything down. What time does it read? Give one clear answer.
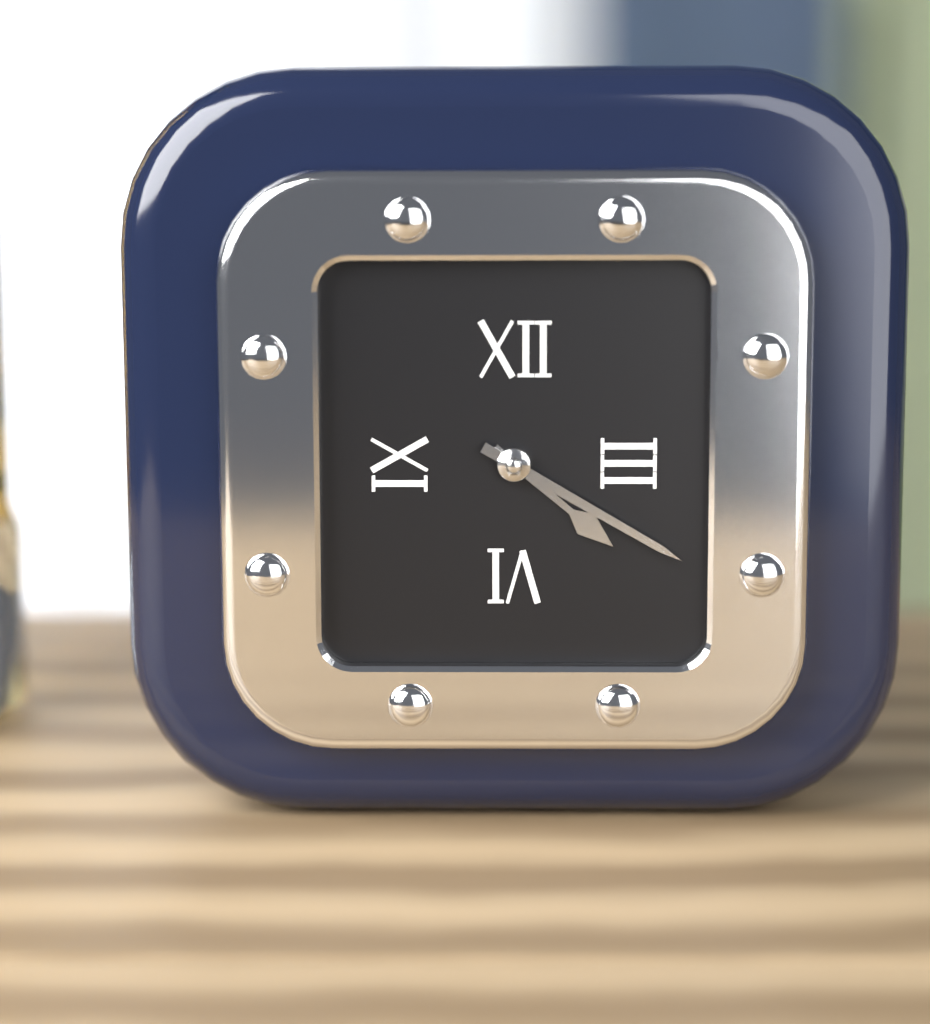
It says 4:20
